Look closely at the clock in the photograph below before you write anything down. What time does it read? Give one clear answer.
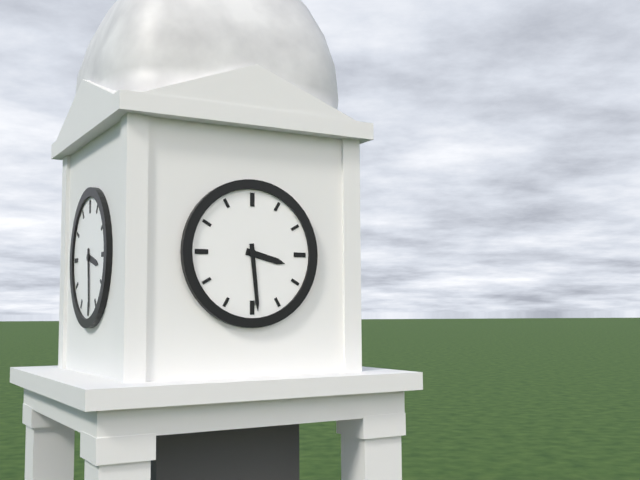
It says 3:29
